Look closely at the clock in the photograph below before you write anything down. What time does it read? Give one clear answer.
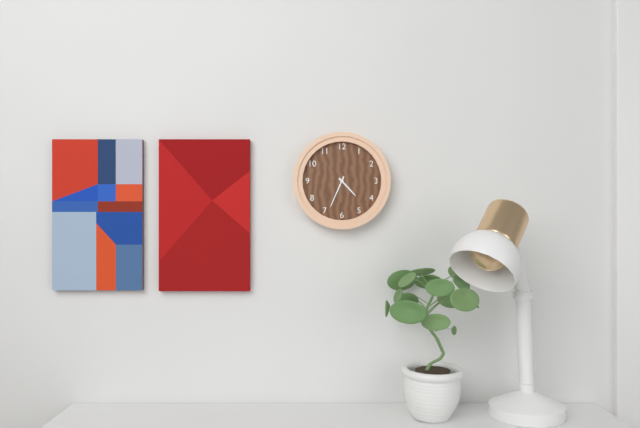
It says 4:34
